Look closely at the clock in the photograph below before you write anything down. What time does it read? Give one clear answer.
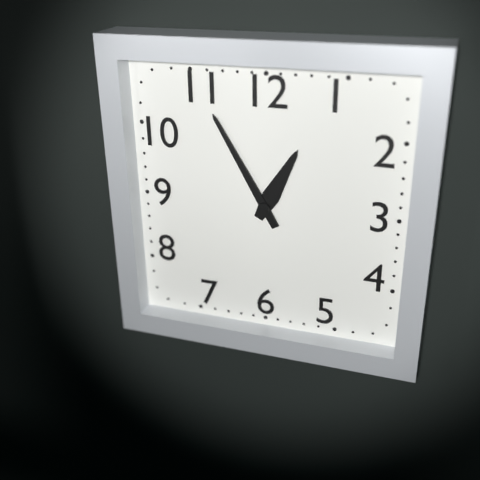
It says 12:55
